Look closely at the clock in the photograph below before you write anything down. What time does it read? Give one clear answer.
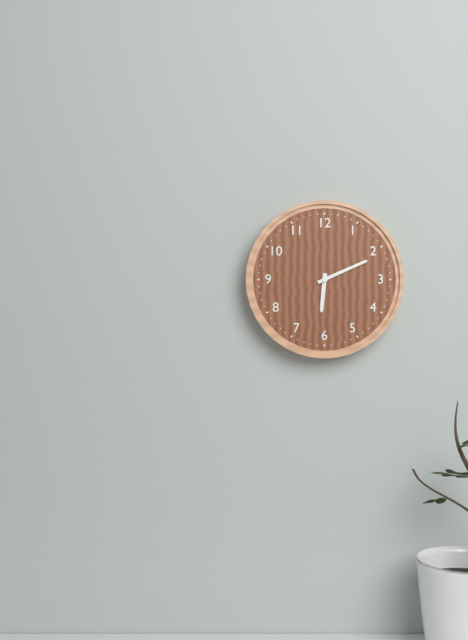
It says 6:11
